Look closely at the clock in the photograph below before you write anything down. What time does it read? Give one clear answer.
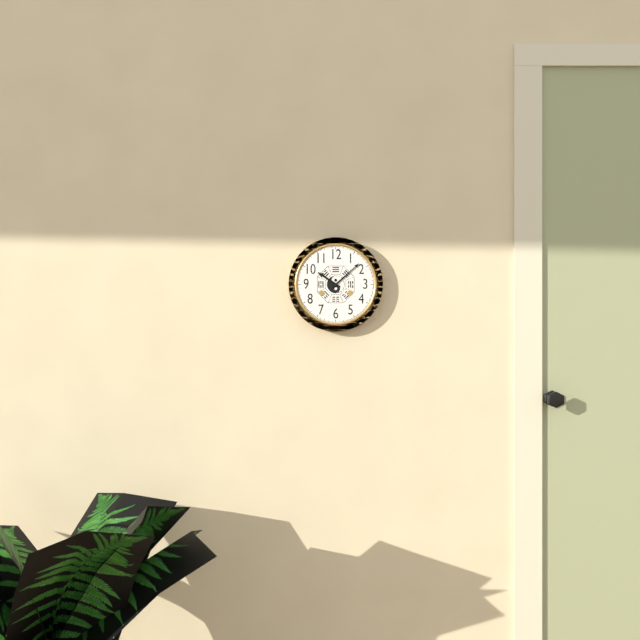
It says 10:08
